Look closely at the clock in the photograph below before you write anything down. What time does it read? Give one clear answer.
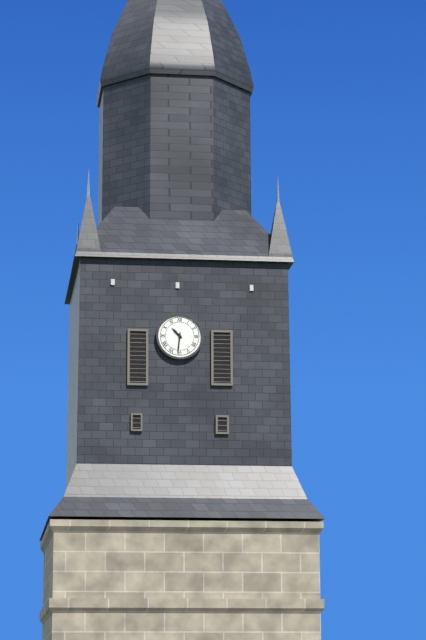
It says 10:31
